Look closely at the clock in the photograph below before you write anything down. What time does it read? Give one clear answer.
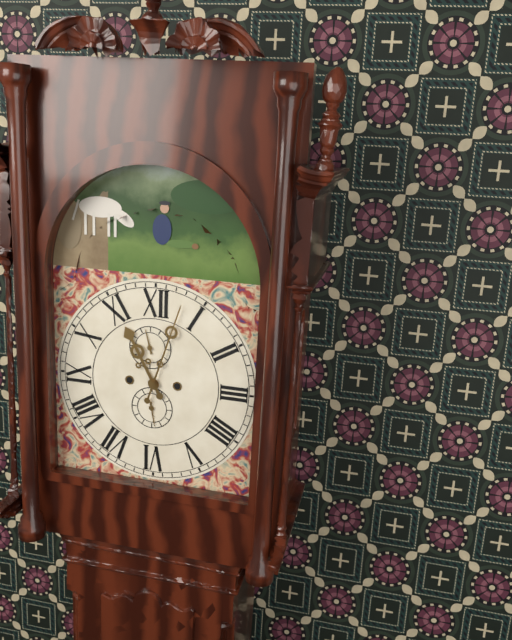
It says 11:03
